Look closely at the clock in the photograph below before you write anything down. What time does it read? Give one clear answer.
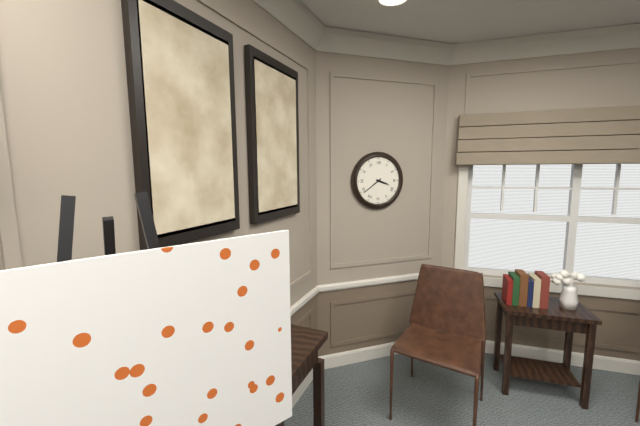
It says 3:39
